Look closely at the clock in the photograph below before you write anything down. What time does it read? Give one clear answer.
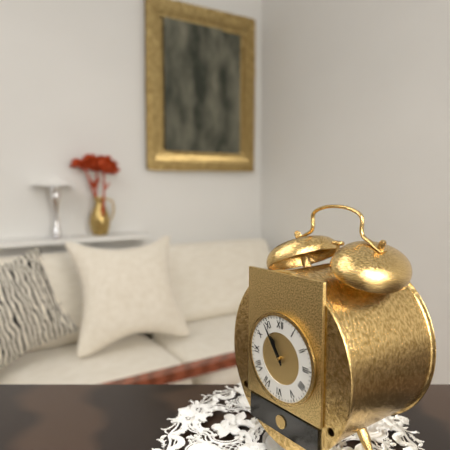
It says 10:54
